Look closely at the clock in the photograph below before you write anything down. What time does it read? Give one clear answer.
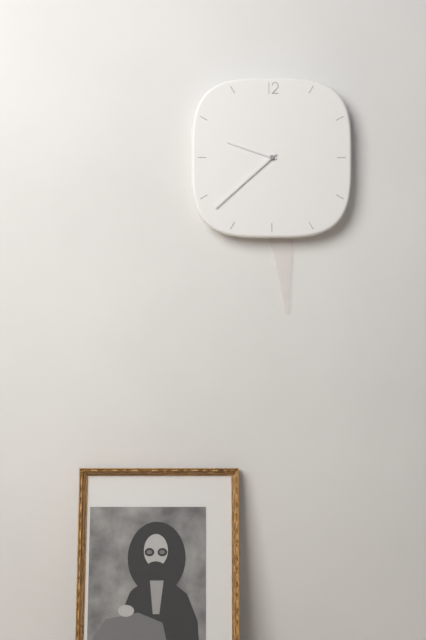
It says 9:38
